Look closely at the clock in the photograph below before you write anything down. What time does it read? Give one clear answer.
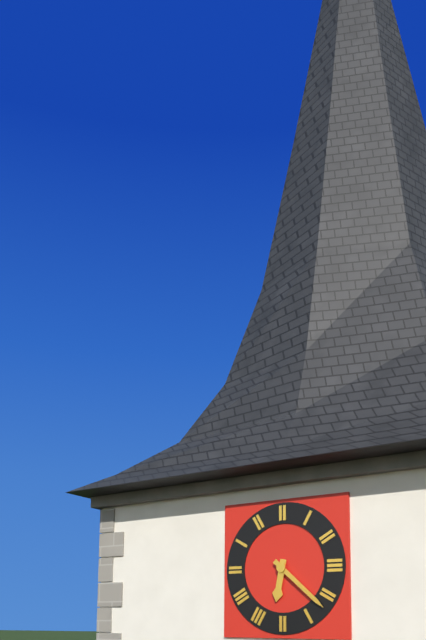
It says 6:22
